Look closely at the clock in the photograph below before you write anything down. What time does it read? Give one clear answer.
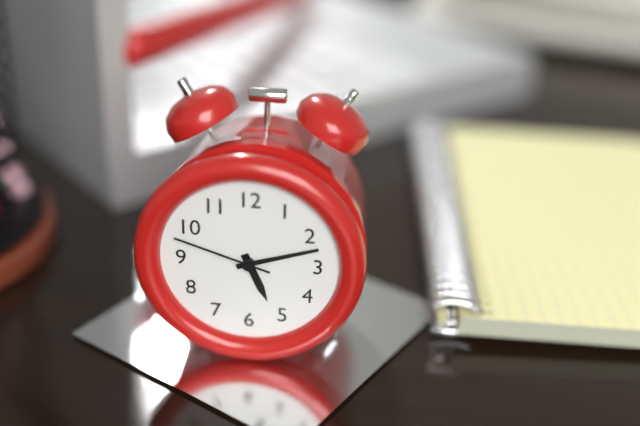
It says 5:12:48
